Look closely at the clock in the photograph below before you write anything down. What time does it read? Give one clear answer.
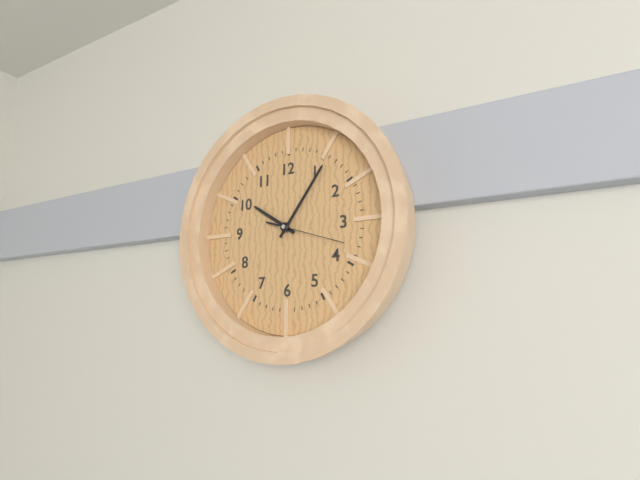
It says 10:06:18
